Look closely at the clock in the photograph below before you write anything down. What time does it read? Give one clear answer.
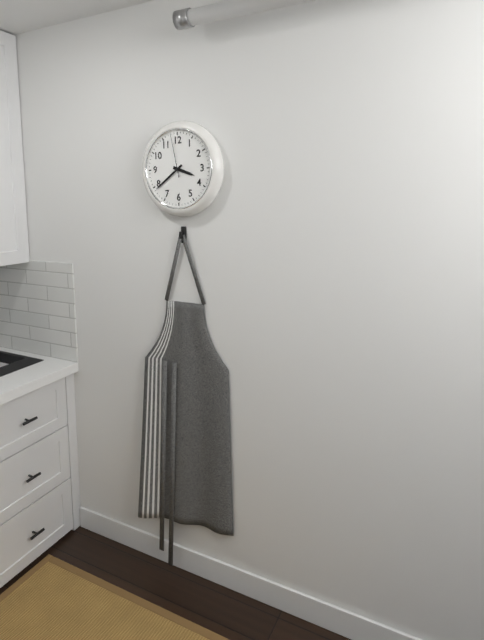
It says 3:39
